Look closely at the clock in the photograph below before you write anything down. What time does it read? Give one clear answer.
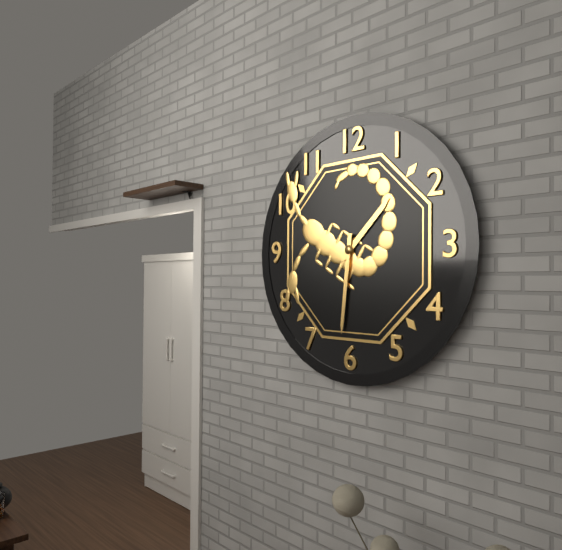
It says 1:31
